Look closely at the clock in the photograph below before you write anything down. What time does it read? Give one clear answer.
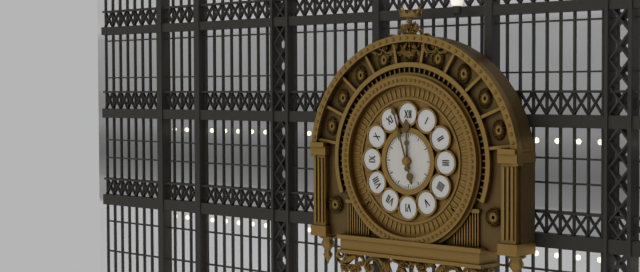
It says 11:57
